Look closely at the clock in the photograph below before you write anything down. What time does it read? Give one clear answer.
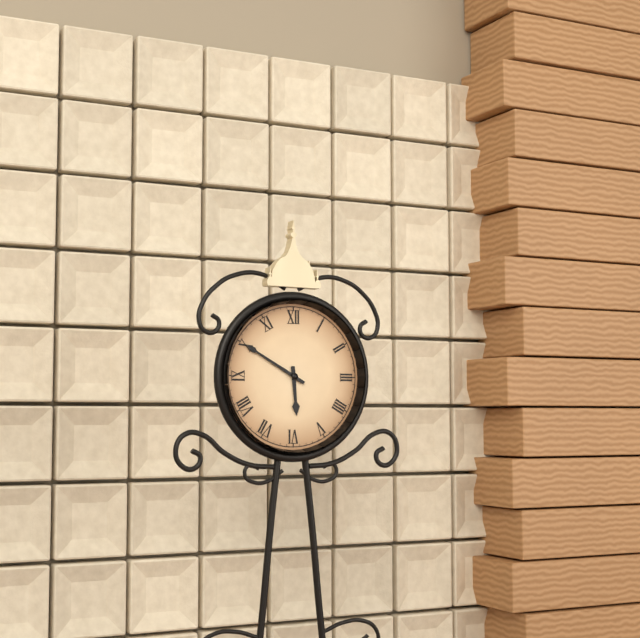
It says 5:50
